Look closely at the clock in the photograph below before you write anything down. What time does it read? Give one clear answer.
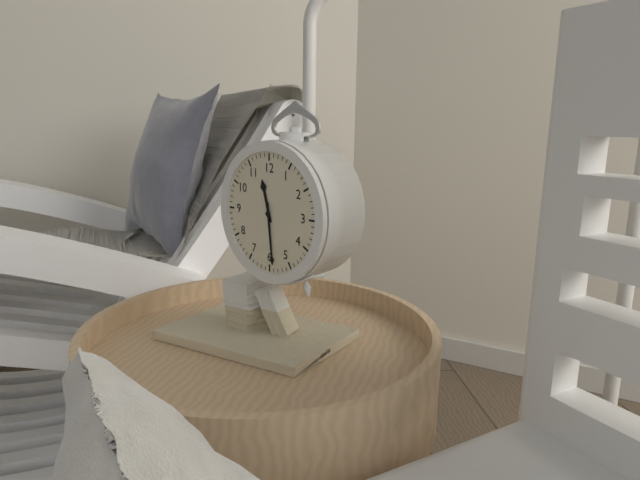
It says 11:29
